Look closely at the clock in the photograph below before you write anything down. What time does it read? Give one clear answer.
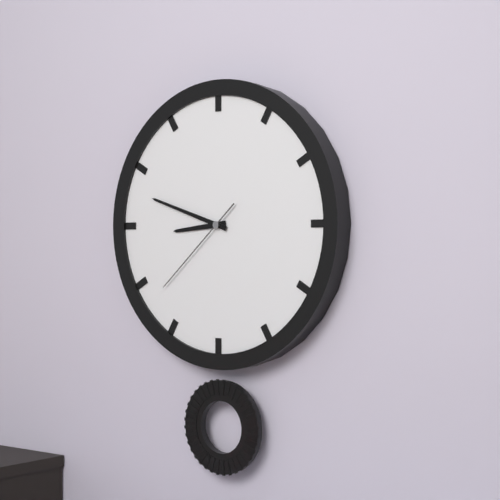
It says 8:48:38
